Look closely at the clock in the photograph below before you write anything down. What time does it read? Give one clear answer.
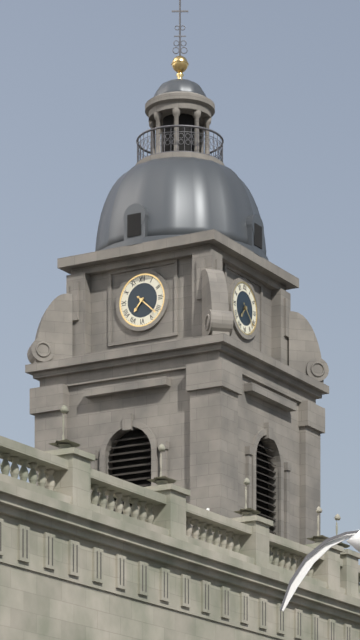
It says 7:22
